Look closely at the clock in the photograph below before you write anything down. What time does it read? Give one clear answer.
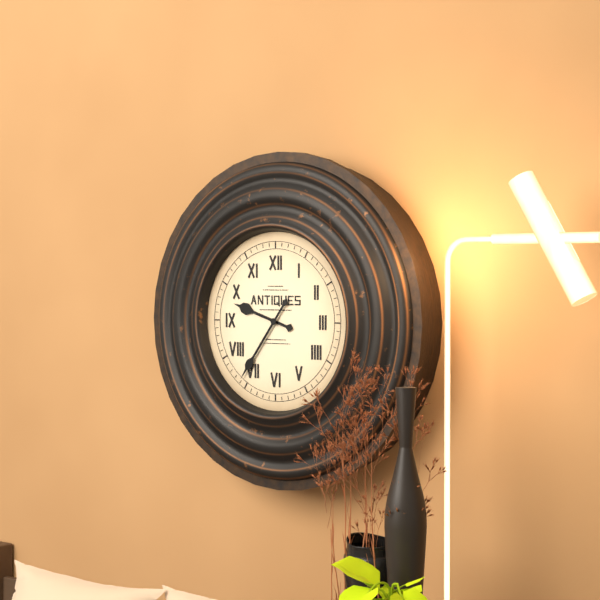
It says 9:36
